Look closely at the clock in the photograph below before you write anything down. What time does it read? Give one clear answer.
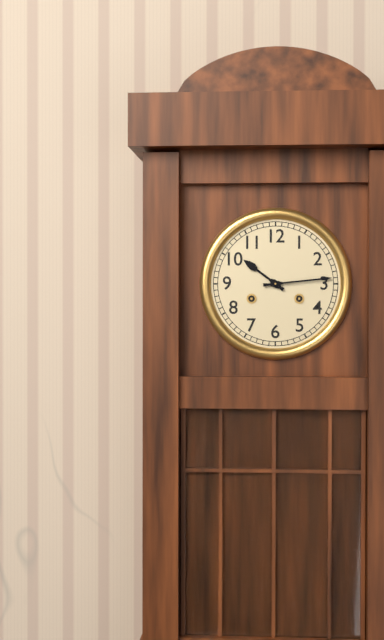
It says 10:14
